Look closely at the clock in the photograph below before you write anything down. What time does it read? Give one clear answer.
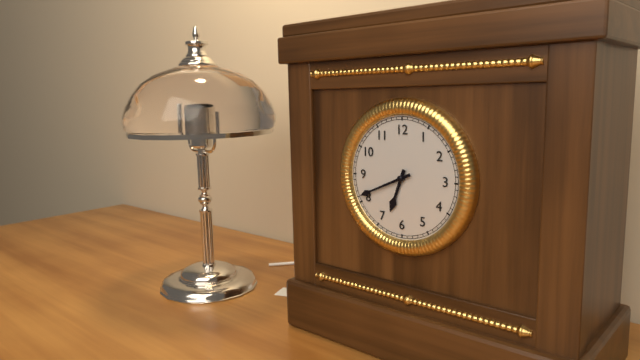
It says 6:41
